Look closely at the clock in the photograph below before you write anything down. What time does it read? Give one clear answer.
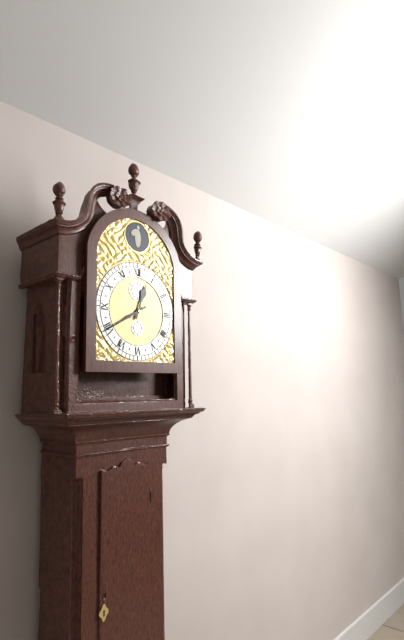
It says 12:40
